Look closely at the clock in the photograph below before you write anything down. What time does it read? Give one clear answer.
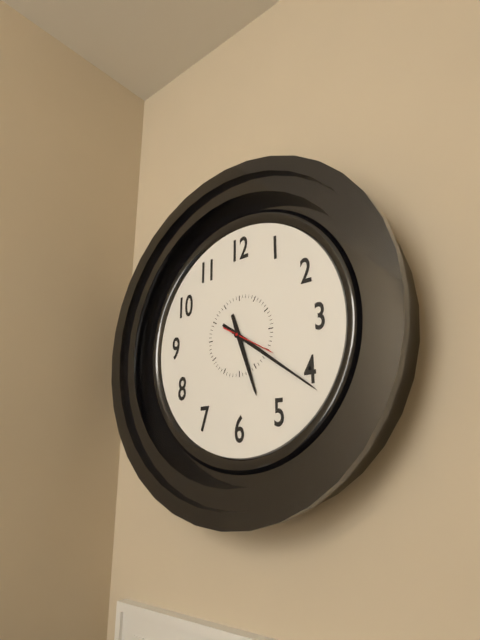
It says 5:21:20
